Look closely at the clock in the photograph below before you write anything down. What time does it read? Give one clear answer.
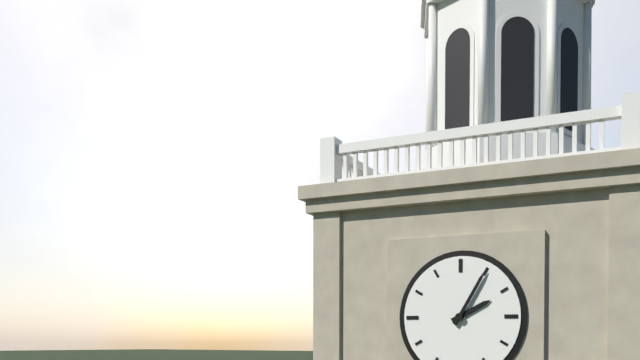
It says 2:05
